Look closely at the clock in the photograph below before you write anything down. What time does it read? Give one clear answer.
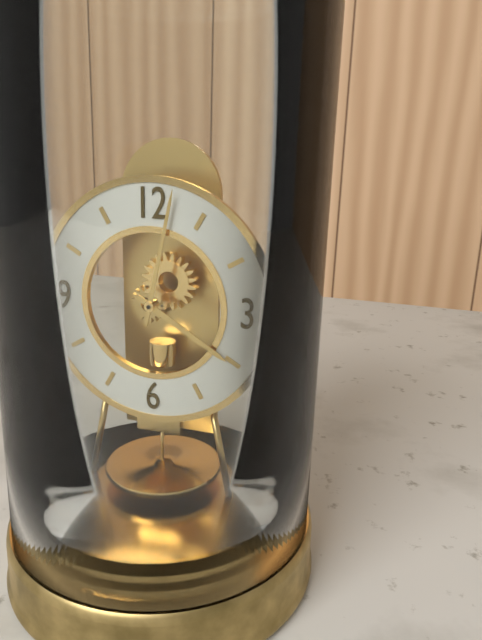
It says 4:02
